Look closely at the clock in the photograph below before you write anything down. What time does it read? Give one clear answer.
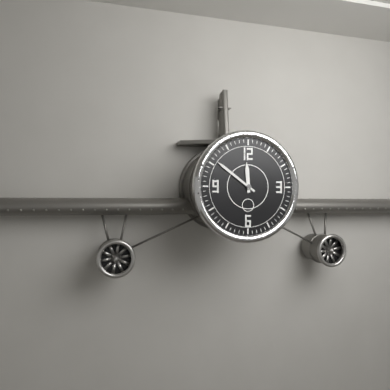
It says 11:51
